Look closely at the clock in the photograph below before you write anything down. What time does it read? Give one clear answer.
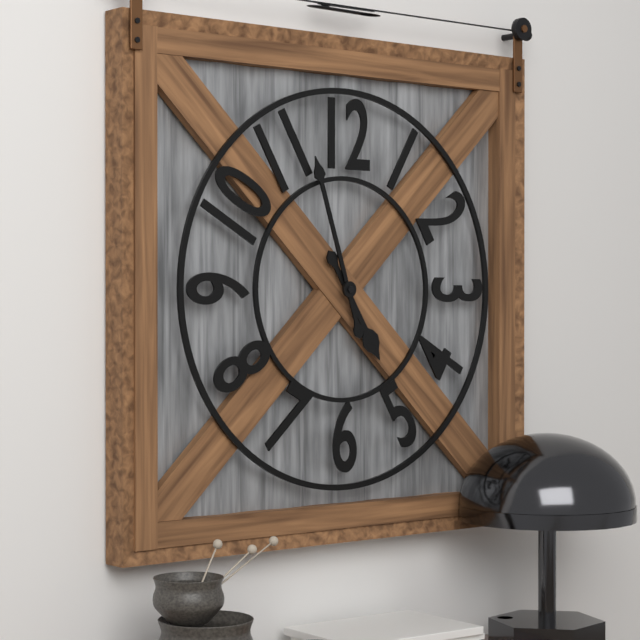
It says 4:57
